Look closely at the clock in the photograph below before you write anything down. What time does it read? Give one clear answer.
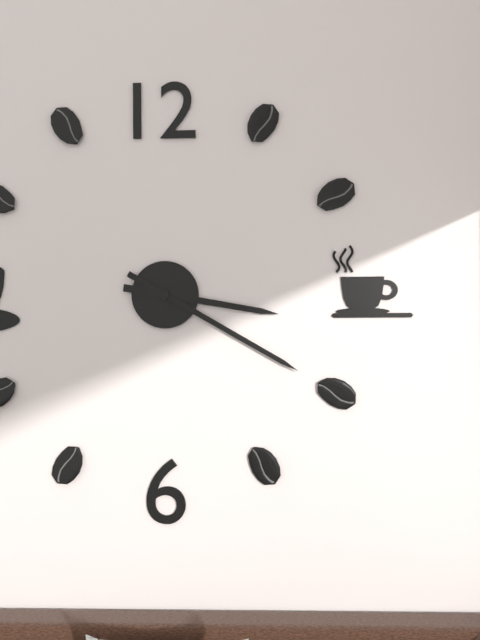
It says 3:20
